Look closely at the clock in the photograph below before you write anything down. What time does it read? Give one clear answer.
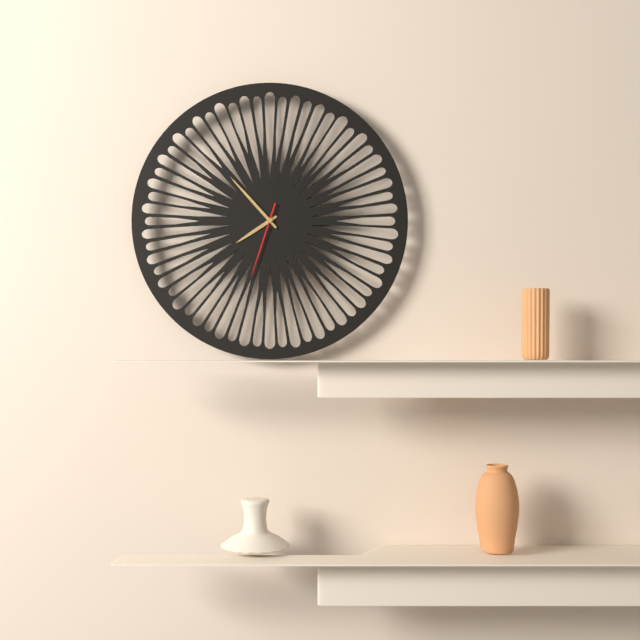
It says 7:53:33
